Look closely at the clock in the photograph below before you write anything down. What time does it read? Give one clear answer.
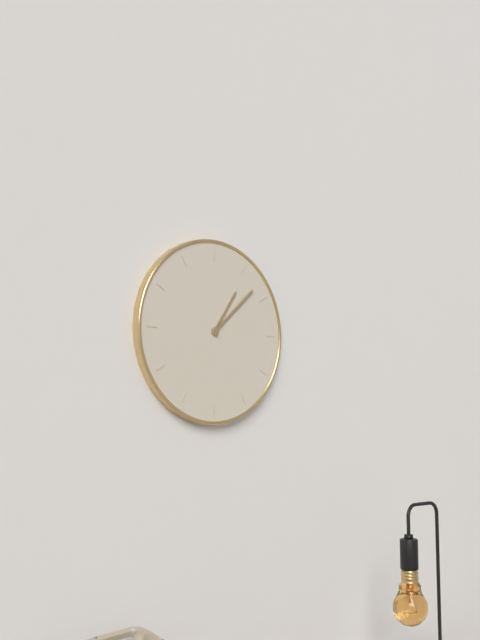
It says 1:08
